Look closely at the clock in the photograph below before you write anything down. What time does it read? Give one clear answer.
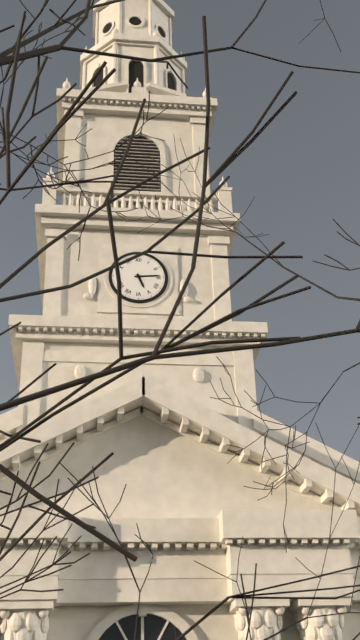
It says 5:14
